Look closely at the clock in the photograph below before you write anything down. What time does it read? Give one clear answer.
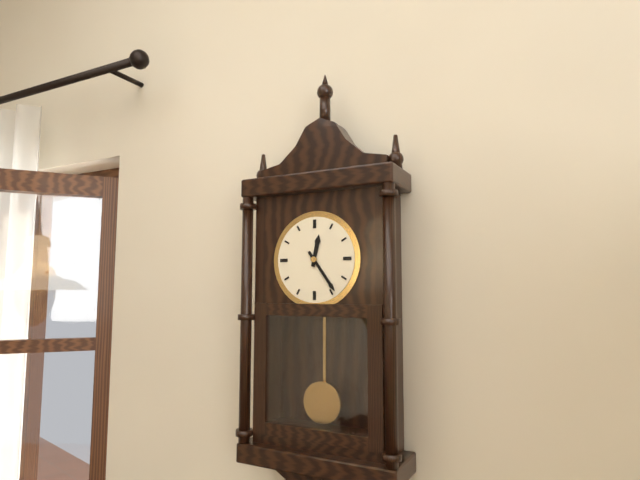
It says 12:24
